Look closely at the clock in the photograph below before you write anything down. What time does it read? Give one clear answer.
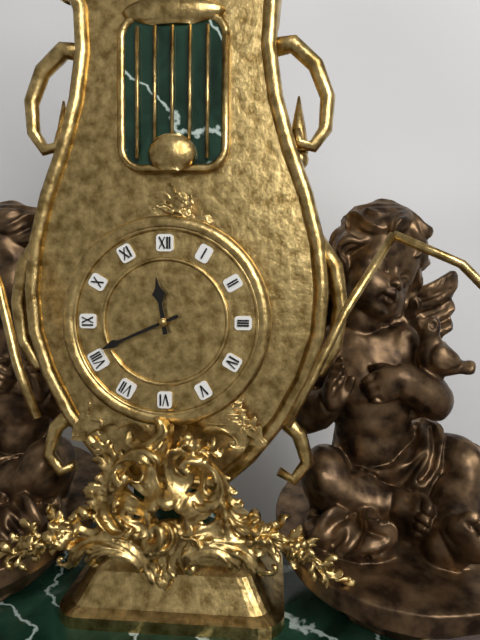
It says 11:41
